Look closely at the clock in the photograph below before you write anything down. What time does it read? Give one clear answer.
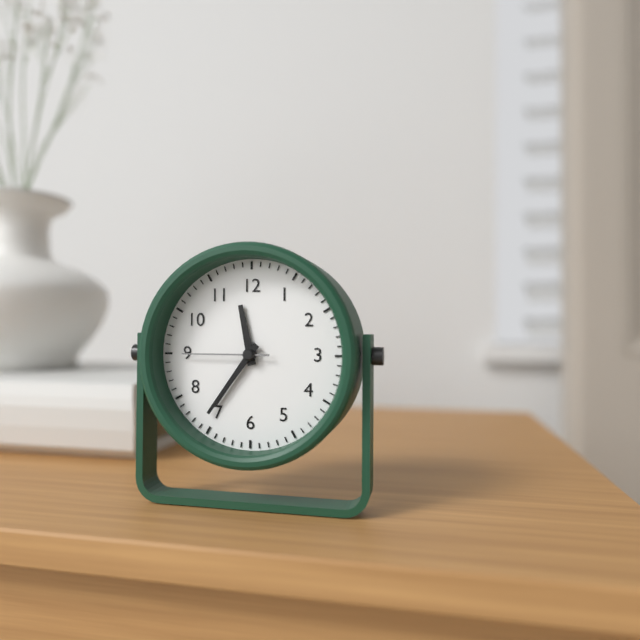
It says 11:36:45
